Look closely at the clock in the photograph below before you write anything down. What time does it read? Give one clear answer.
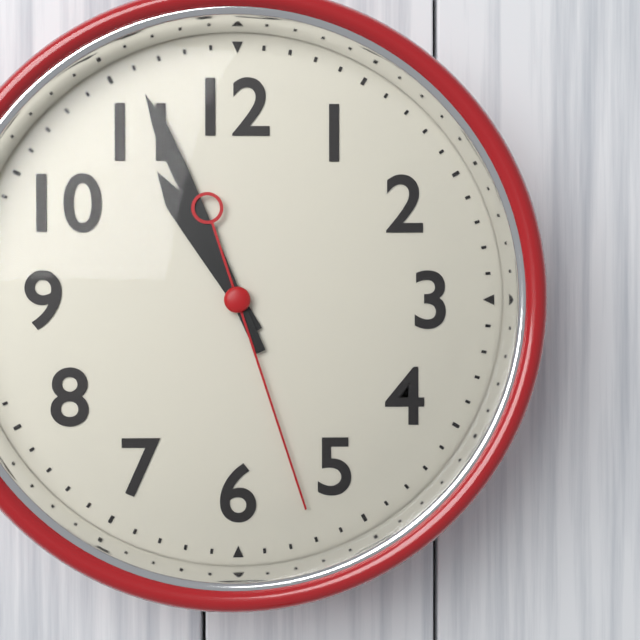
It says 10:56:27
